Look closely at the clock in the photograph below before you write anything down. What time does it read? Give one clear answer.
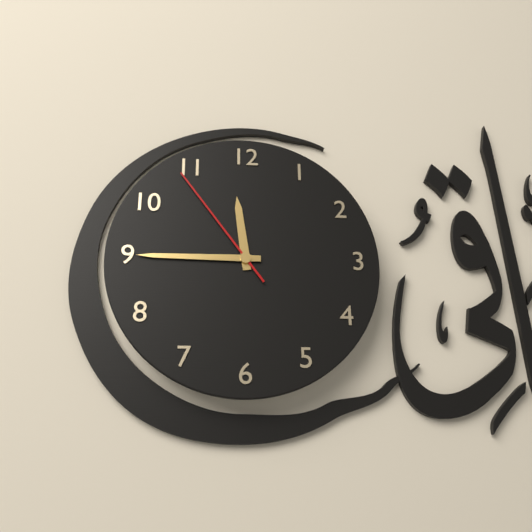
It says 11:45:54
